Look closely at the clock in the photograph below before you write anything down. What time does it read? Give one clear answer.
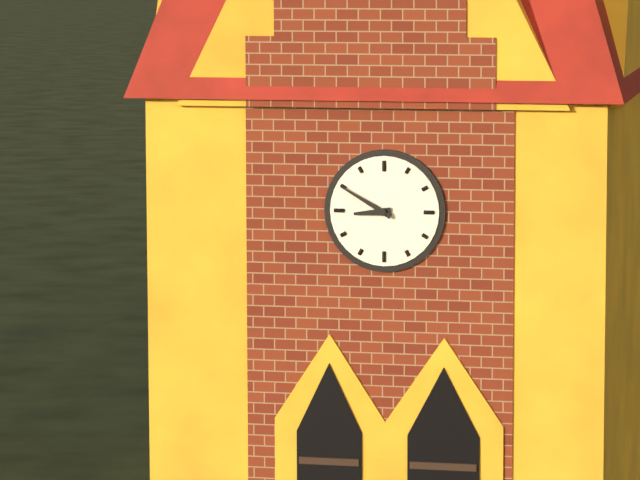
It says 8:50
